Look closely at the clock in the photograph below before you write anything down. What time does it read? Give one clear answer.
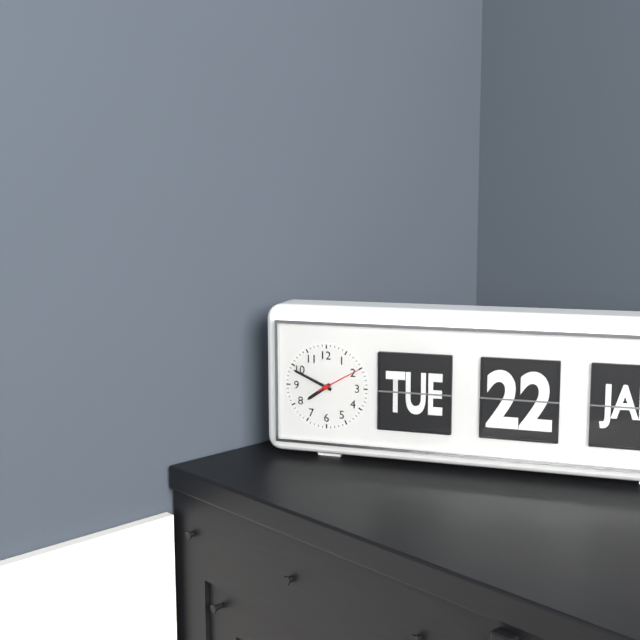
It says 7:49
